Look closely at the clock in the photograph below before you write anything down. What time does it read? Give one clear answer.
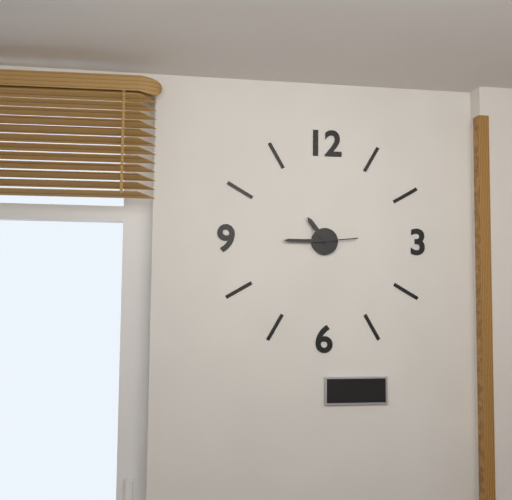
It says 10:45
